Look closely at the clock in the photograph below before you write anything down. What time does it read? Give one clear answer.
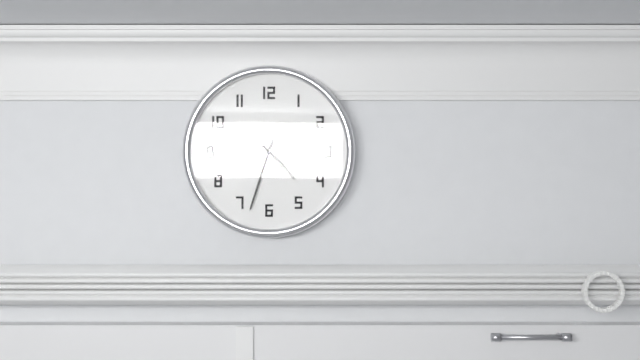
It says 4:33
